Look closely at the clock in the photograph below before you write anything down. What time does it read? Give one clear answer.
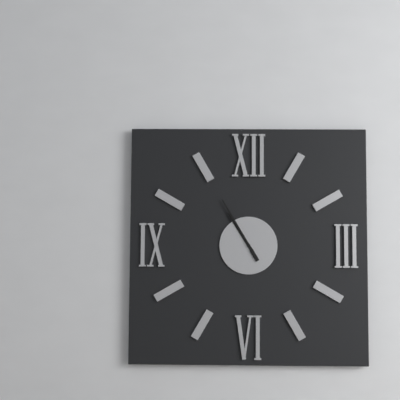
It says 10:55
